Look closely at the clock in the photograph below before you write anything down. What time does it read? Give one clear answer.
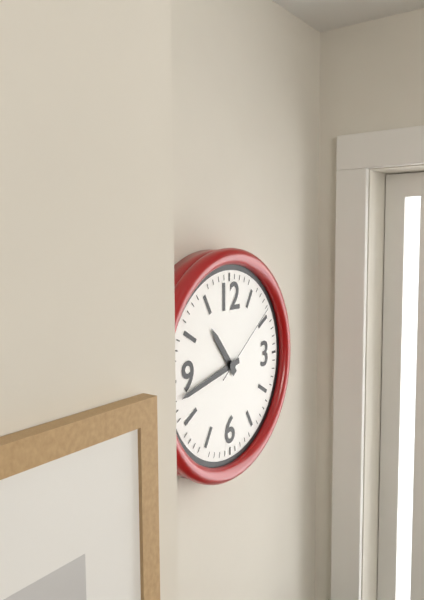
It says 10:43:09
